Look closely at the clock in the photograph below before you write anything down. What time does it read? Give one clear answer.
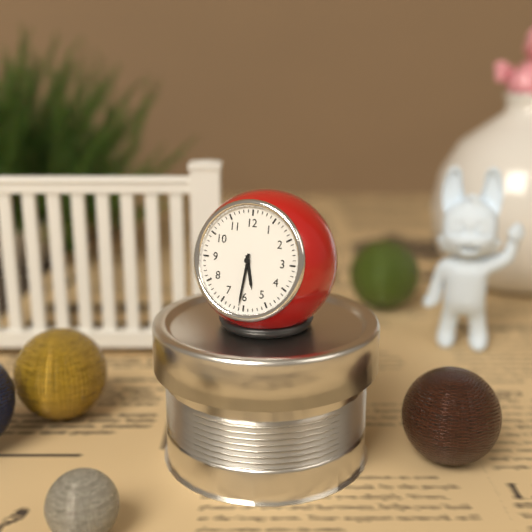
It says 5:31
